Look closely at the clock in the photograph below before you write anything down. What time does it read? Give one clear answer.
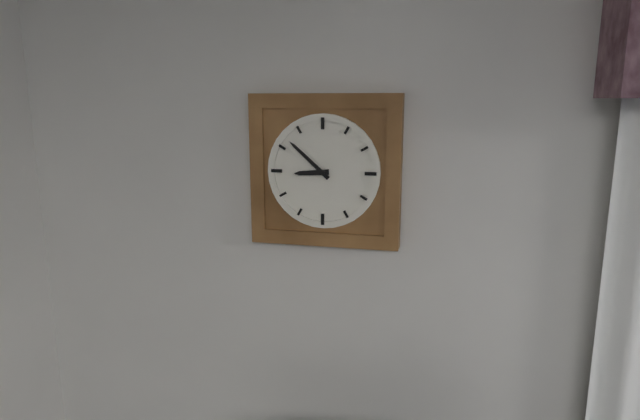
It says 8:52
